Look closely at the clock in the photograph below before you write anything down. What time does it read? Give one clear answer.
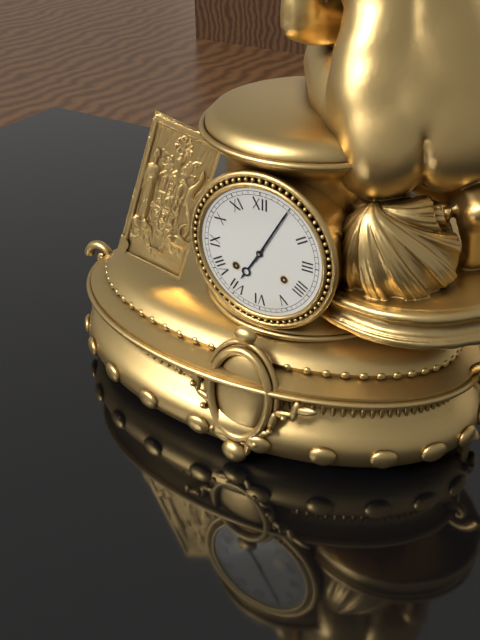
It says 7:05
